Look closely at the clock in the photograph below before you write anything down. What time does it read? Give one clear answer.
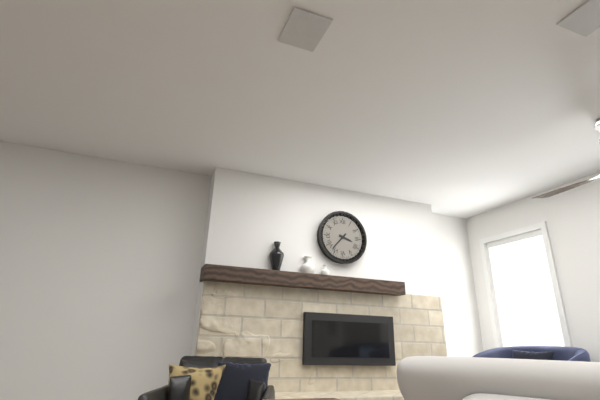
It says 3:37
